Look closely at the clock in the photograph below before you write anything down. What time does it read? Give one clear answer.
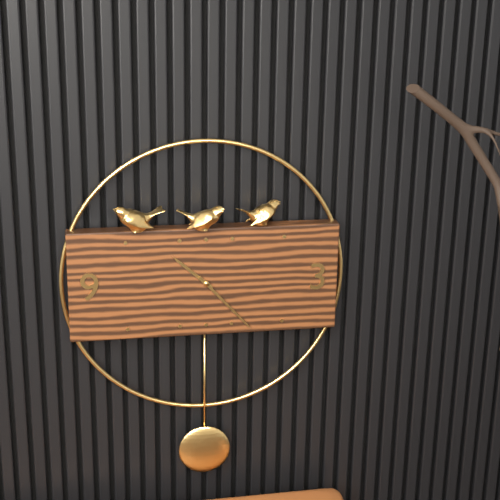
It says 10:23
